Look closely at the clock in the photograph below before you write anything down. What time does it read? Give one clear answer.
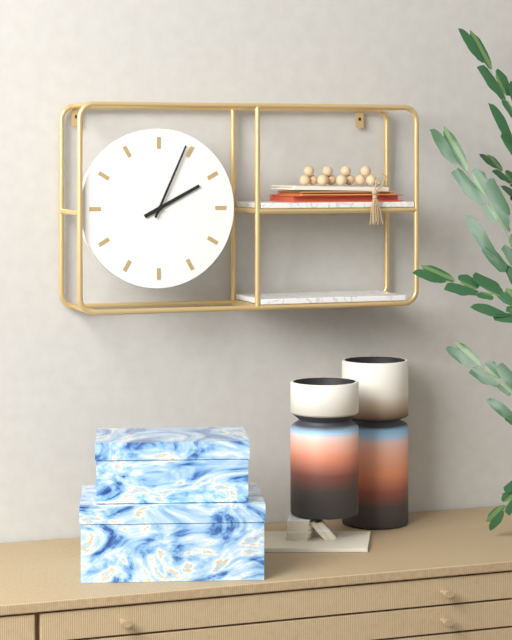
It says 2:04
